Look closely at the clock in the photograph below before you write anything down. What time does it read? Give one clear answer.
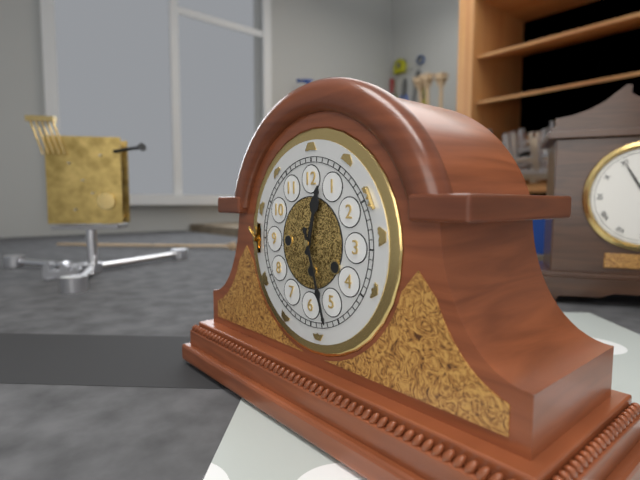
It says 12:27
